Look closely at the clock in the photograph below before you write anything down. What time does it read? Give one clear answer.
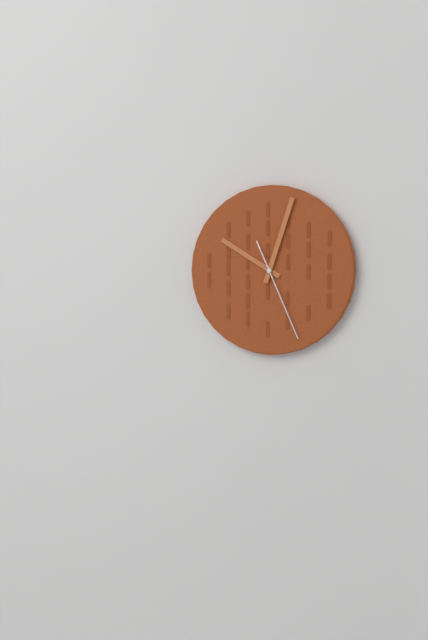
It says 10:03:26
